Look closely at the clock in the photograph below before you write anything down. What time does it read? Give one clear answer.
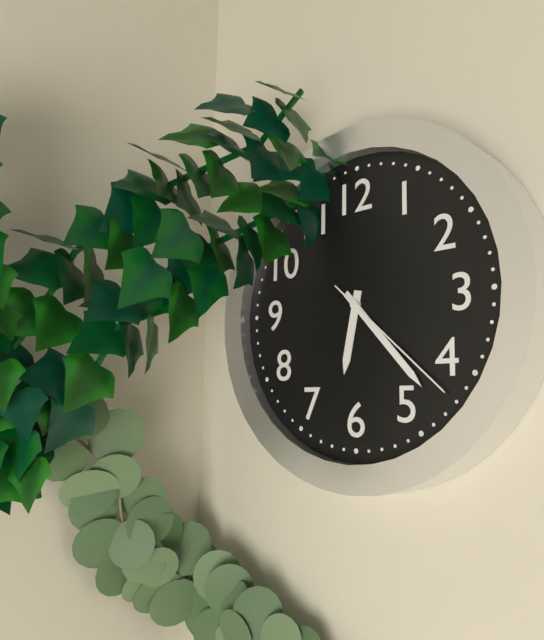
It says 6:23:22
